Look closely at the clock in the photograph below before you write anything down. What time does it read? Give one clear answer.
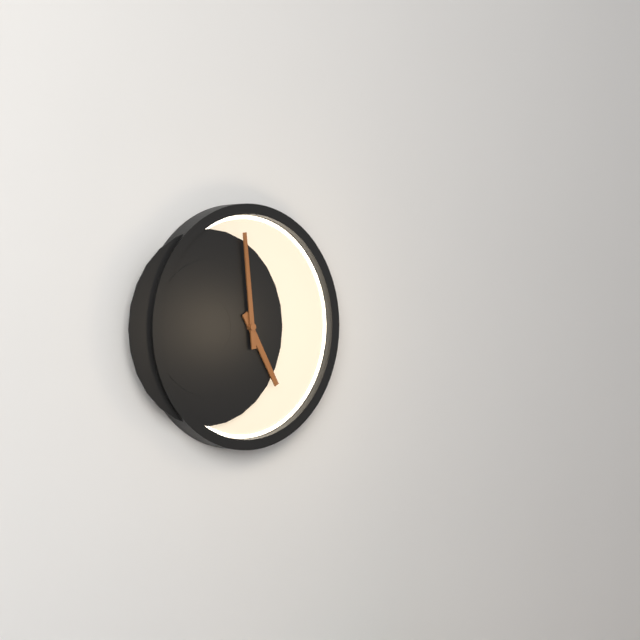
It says 4:59
